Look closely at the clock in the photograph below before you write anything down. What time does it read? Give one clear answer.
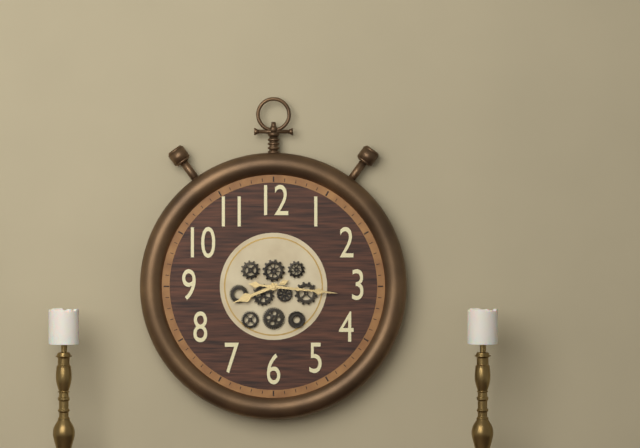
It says 8:16
